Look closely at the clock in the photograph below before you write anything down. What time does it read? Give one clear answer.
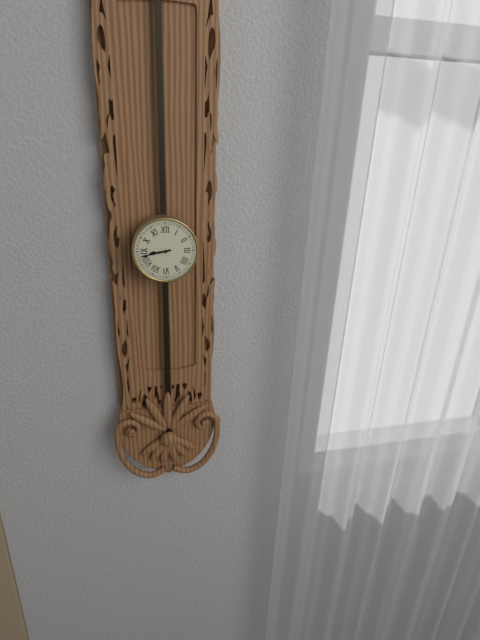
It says 8:43
